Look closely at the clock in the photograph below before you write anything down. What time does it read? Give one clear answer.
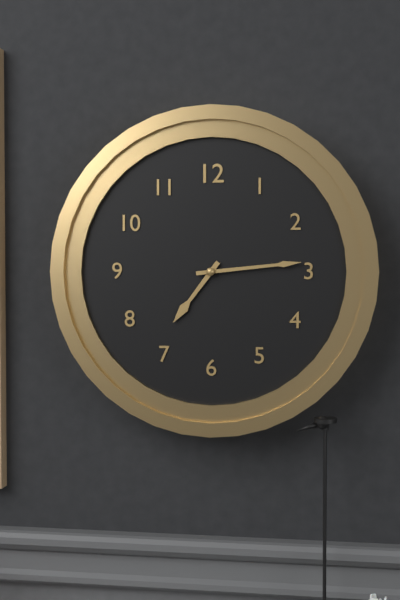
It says 7:14
